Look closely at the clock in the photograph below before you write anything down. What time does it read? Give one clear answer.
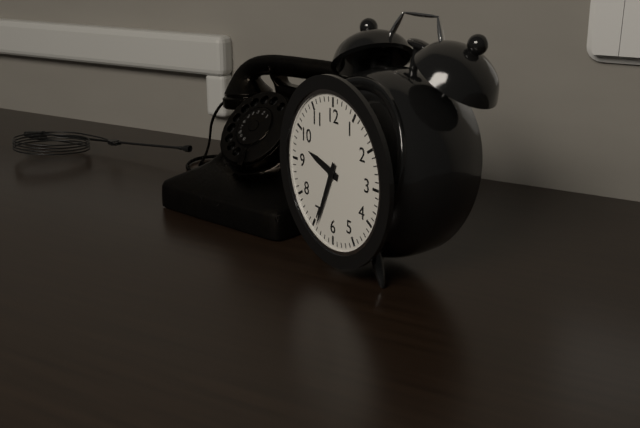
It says 9:34
